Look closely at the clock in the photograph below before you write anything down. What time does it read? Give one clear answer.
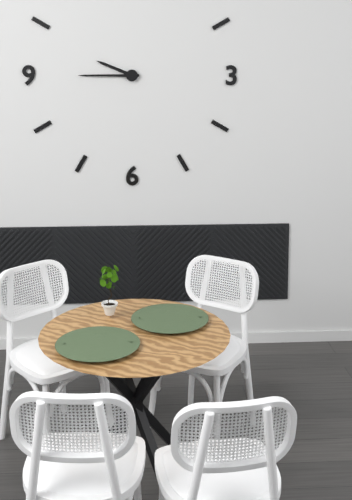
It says 9:45
